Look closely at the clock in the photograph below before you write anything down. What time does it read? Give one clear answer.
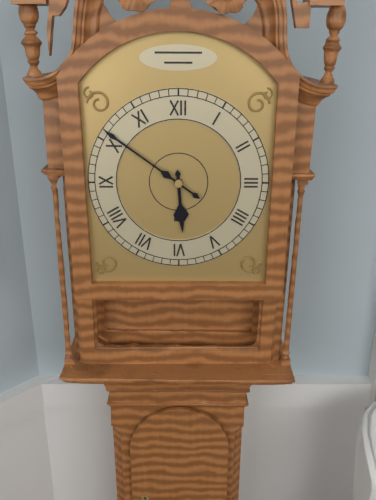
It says 5:51
